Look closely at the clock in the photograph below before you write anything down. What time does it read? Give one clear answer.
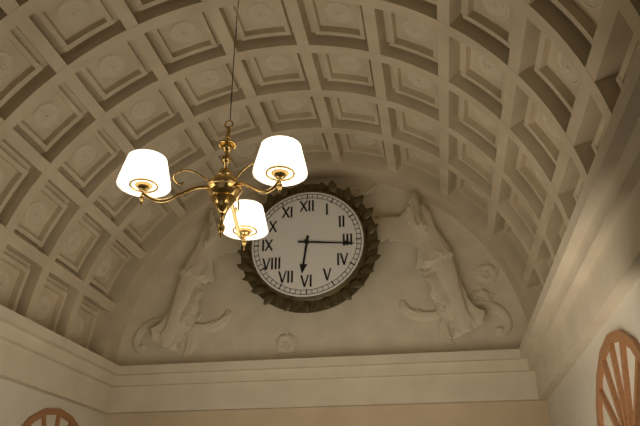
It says 6:16
